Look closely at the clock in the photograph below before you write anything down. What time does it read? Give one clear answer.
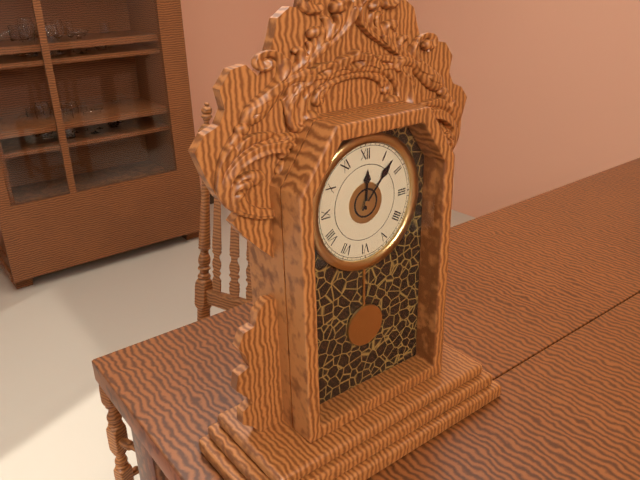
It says 12:07
